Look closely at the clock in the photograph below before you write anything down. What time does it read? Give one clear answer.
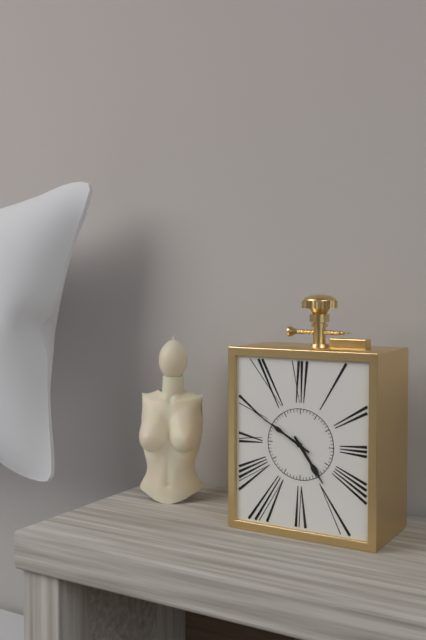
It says 4:50
